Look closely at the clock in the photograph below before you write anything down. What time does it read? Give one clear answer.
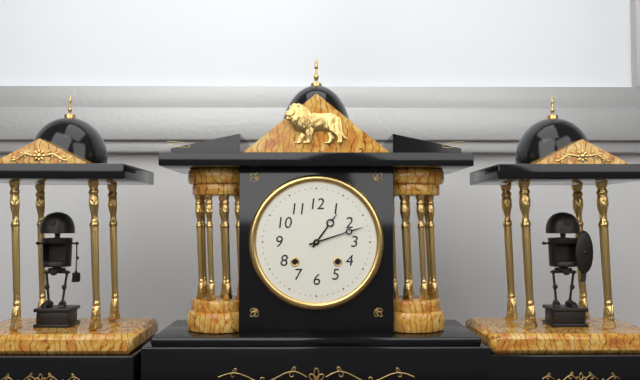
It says 1:12
